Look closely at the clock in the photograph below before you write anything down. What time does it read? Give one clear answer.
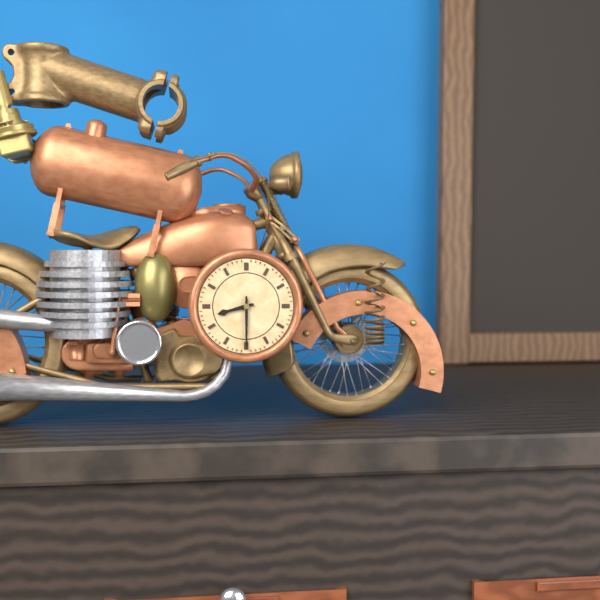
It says 8:30
